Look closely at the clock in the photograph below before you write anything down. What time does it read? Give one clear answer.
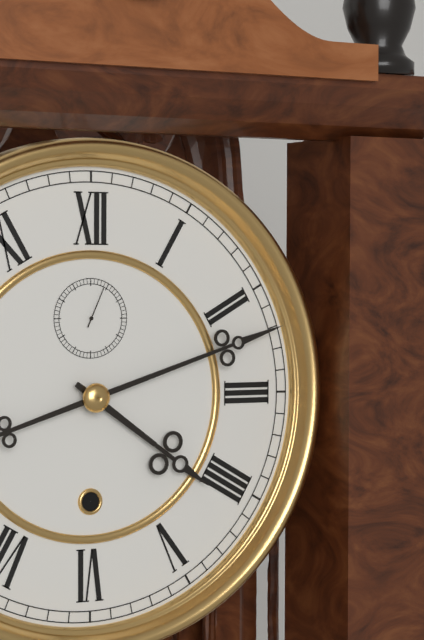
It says 4:12
